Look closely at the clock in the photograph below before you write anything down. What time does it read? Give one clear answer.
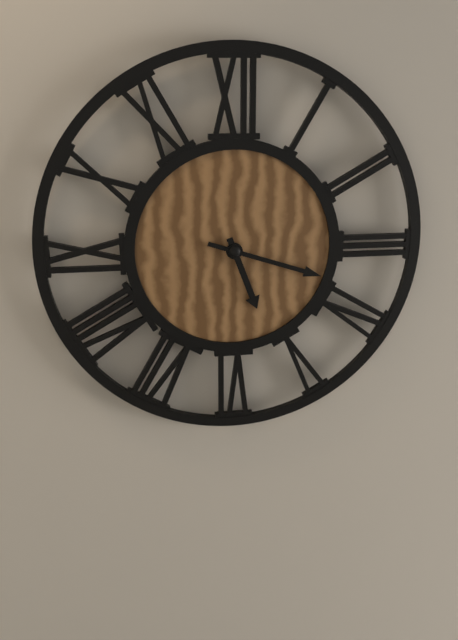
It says 5:18
